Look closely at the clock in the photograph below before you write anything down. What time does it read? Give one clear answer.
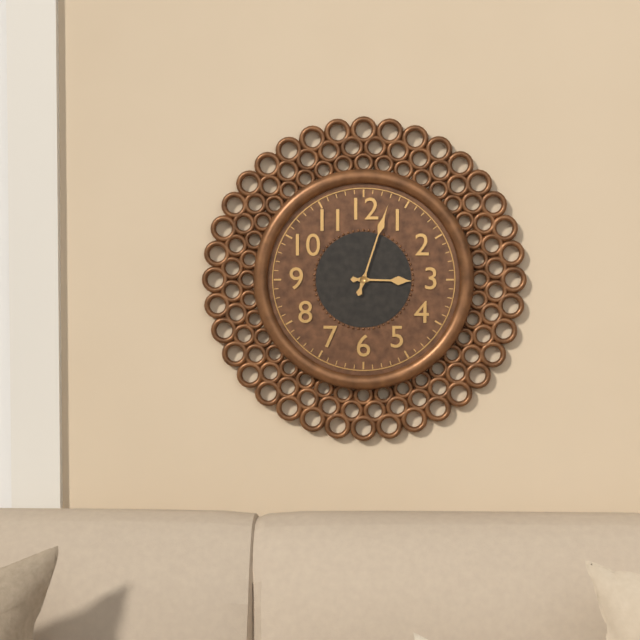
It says 3:03
